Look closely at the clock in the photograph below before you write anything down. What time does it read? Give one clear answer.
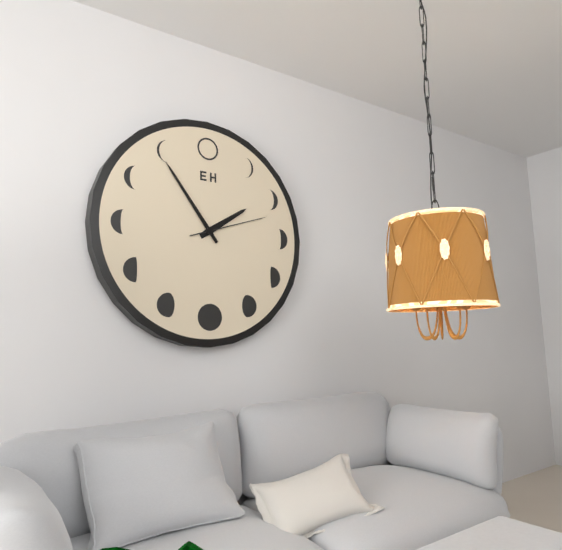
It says 1:54:12
